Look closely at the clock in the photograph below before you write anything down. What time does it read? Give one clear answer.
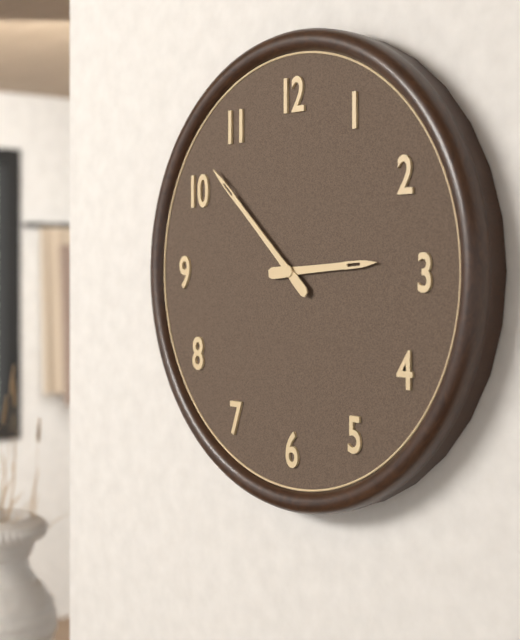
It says 2:52
